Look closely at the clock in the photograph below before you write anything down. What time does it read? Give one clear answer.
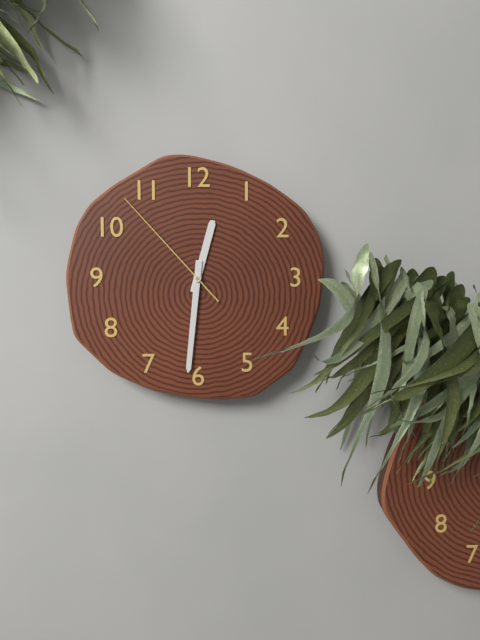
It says 12:31:53
